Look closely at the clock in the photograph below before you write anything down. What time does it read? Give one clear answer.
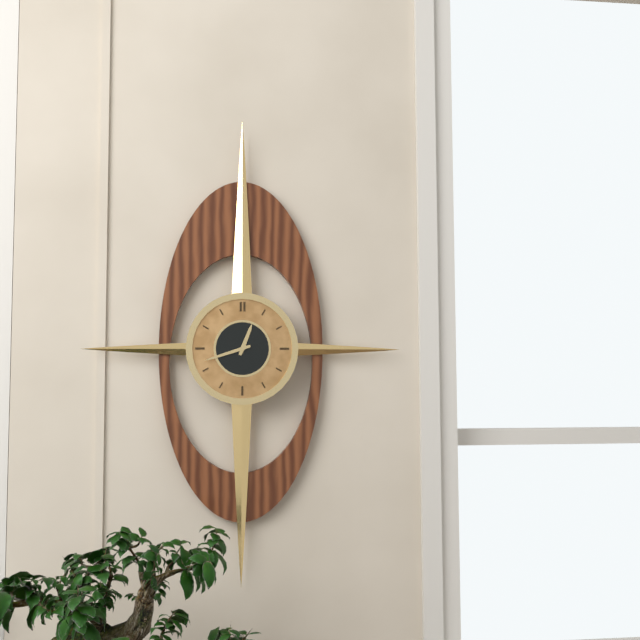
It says 12:42
